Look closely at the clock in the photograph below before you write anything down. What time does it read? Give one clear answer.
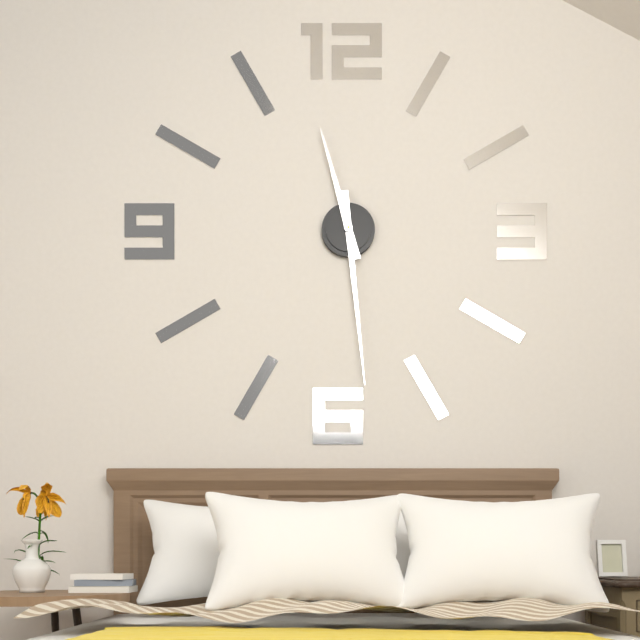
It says 11:29
